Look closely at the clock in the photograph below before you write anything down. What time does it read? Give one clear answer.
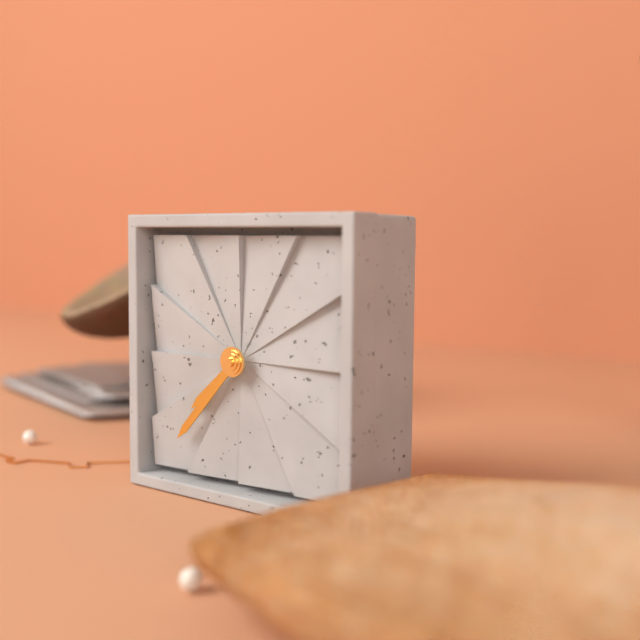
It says 7:37
